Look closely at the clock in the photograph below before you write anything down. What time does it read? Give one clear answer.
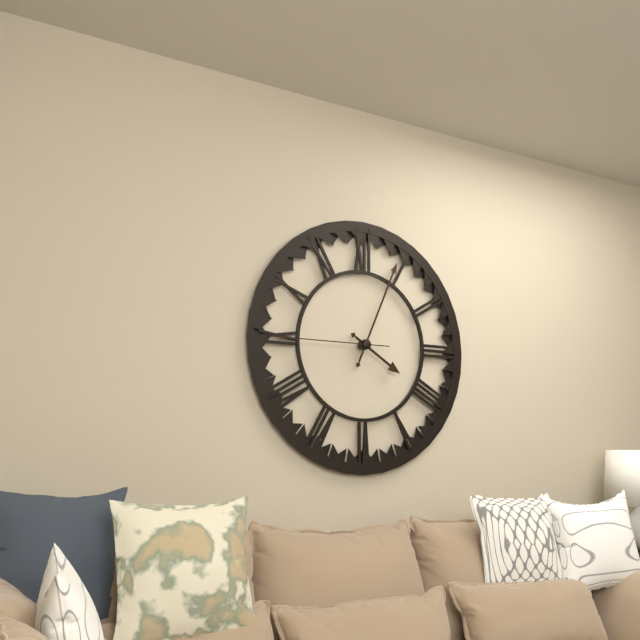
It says 4:04:45
